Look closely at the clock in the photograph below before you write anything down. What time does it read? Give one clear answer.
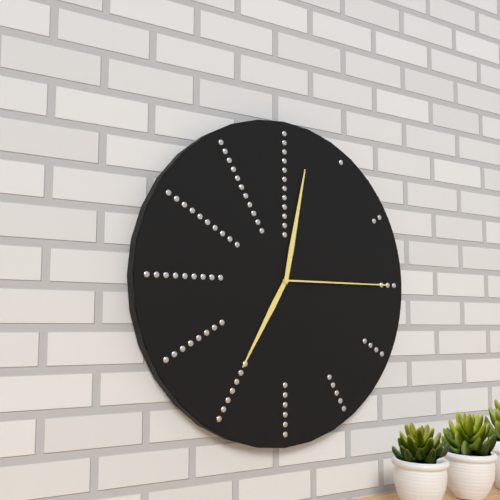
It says 7:02:15
